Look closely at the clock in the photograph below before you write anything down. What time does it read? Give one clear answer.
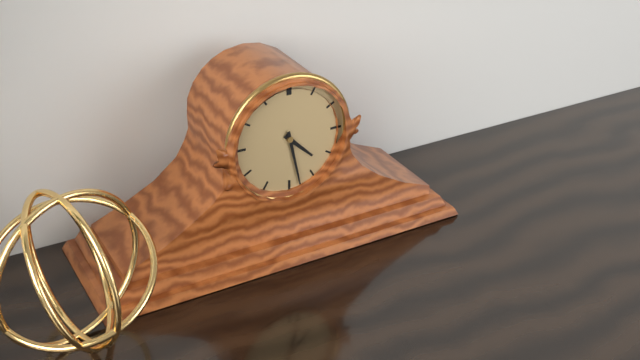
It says 4:28
